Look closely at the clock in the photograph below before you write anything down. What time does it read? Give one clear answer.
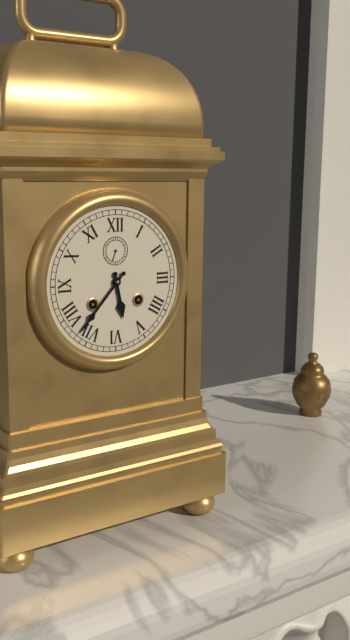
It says 5:37
